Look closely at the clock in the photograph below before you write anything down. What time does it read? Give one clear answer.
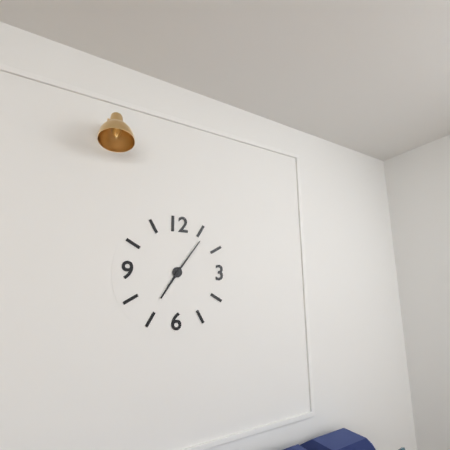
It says 7:06
